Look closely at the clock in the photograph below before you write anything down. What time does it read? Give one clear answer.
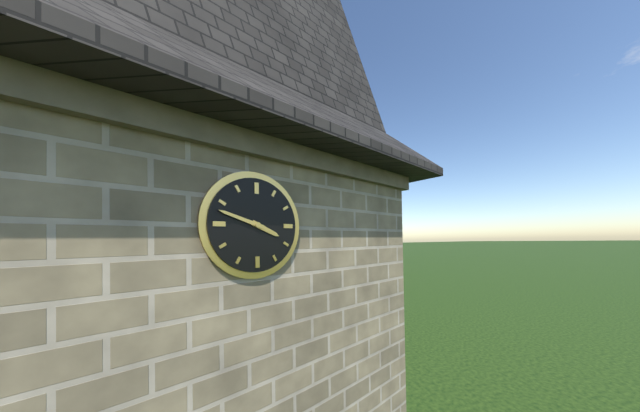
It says 3:48
